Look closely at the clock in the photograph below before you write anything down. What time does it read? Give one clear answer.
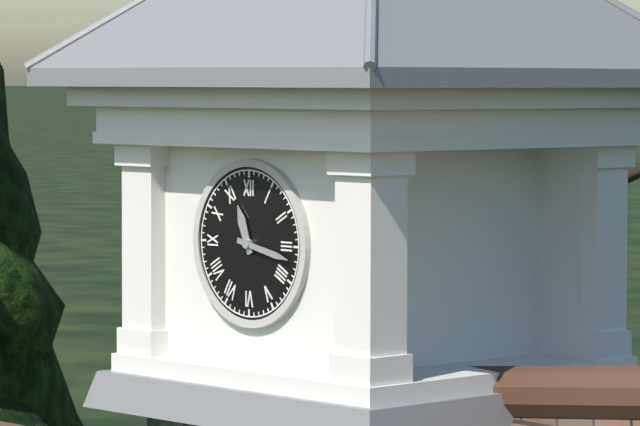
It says 11:17
